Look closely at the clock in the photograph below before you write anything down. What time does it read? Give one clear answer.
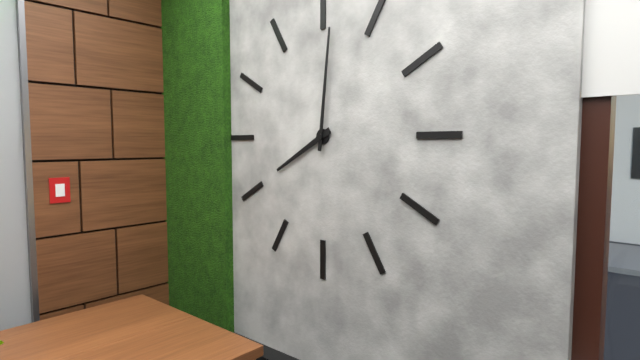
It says 8:01
